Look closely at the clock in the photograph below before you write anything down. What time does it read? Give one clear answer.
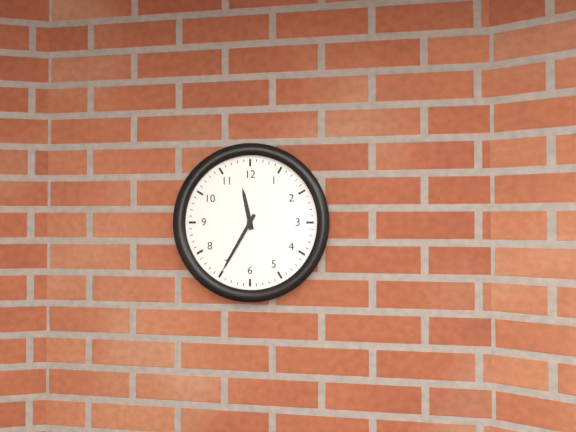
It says 11:35
